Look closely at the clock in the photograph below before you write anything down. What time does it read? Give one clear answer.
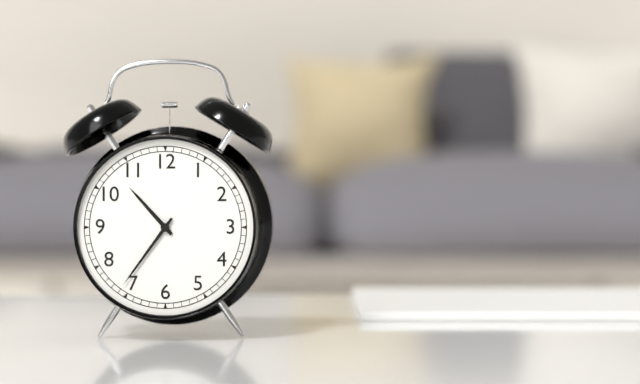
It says 10:36
